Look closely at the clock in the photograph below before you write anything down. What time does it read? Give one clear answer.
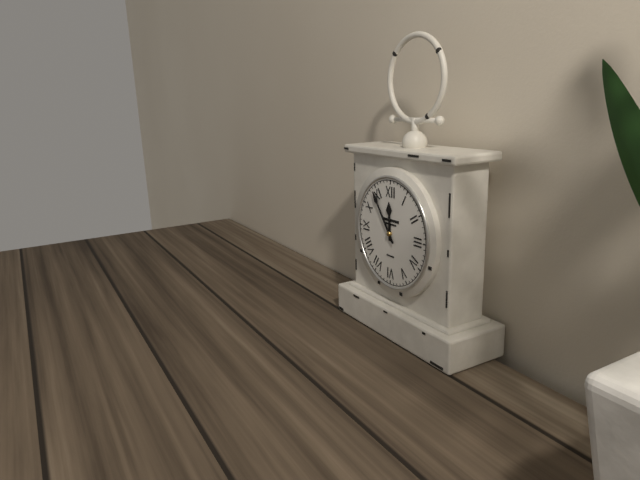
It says 11:54
